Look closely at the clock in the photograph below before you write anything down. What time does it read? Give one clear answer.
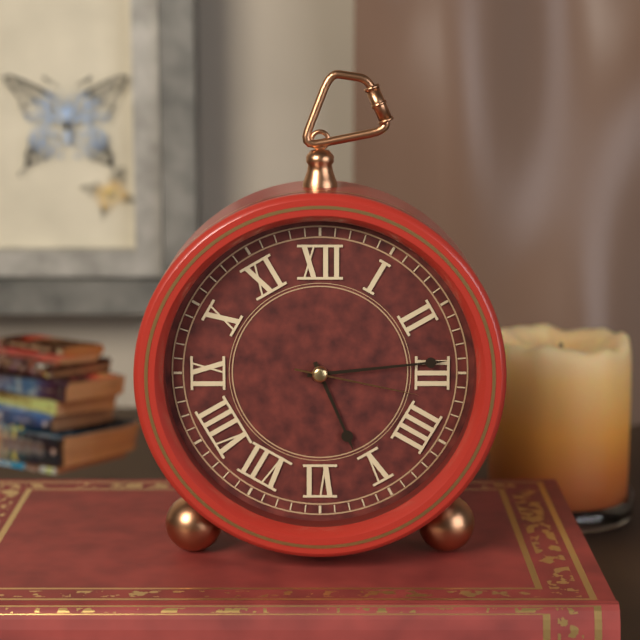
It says 5:14:17
